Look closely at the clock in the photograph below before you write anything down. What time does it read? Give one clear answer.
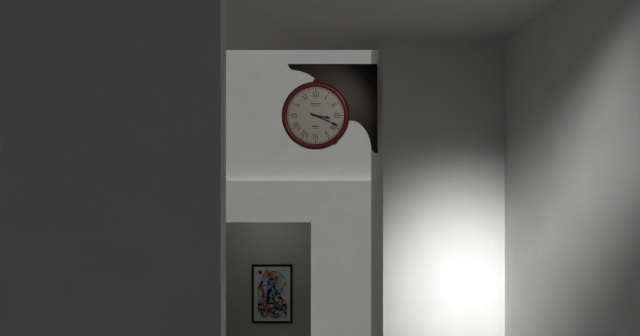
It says 3:19
